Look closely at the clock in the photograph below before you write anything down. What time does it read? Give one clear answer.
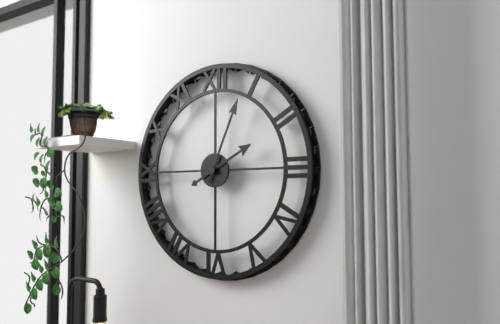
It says 2:04
